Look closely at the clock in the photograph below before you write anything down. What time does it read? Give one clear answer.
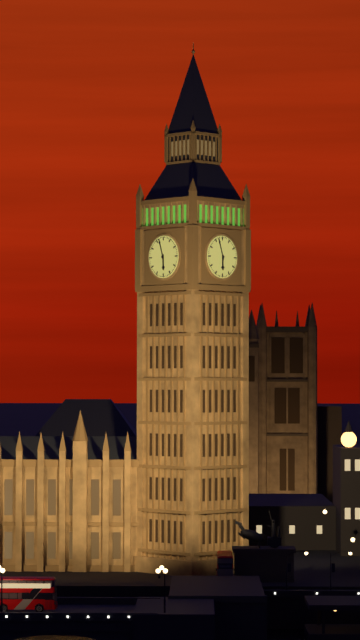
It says 5:57
